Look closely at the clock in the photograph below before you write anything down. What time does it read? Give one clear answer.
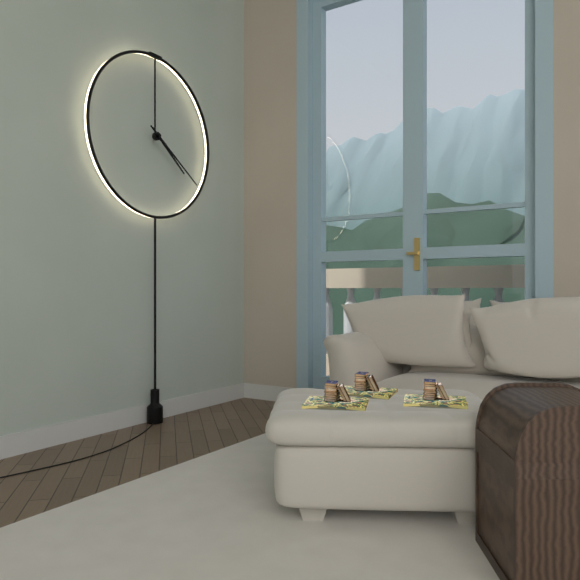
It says 4:21
